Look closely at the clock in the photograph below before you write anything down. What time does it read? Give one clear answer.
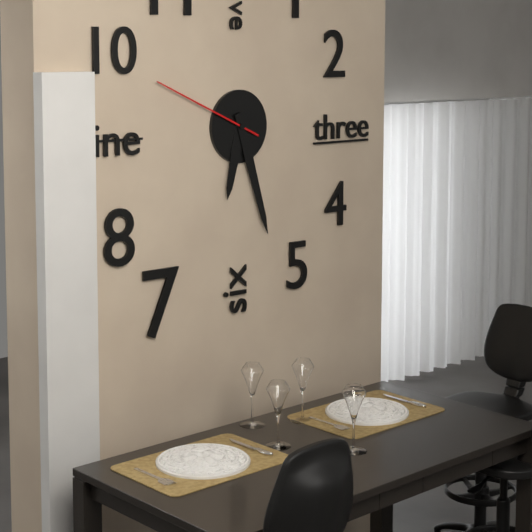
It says 6:27:49
